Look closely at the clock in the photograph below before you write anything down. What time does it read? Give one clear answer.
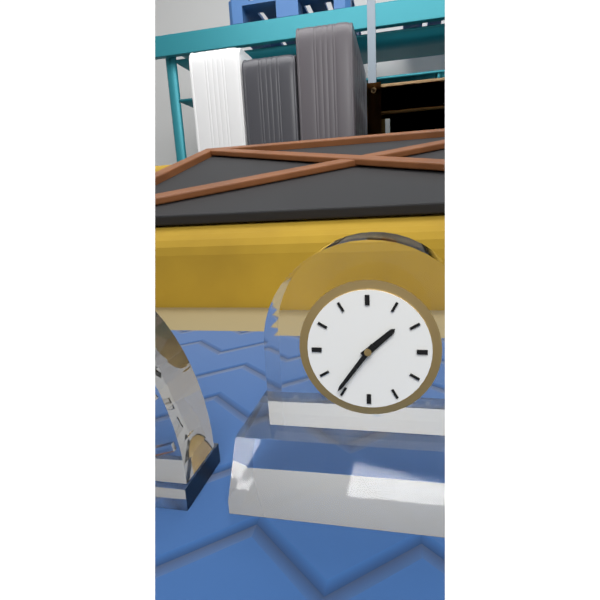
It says 1:36
